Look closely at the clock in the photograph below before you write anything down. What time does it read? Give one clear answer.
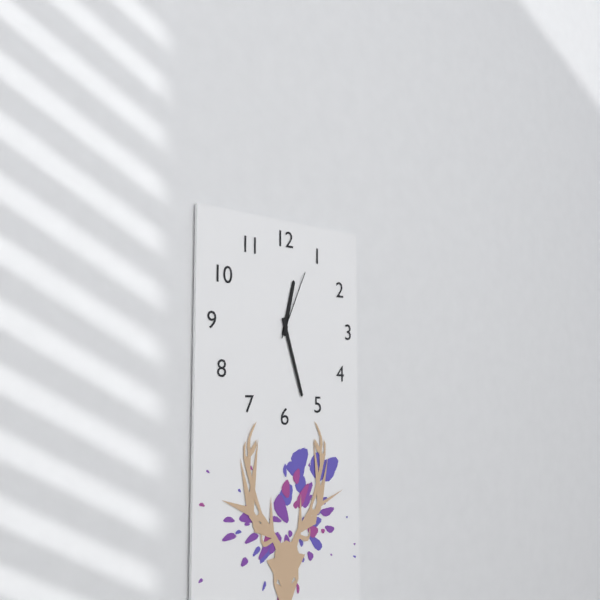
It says 12:27:04
